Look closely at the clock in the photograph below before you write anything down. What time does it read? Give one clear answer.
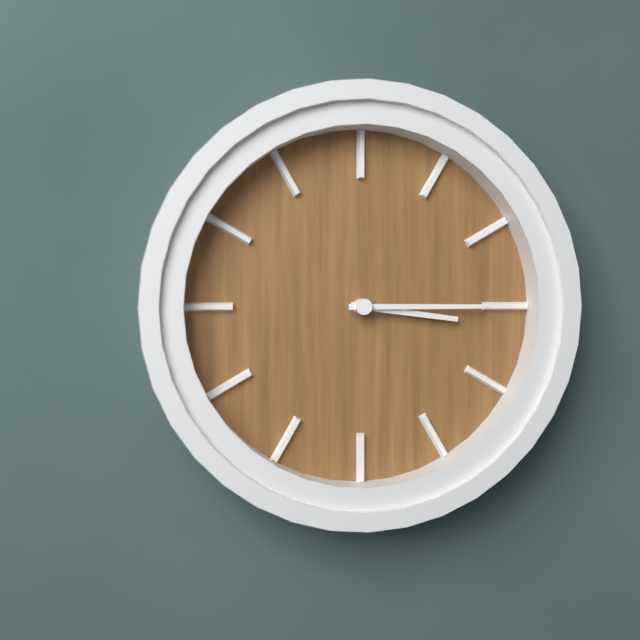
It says 3:15
